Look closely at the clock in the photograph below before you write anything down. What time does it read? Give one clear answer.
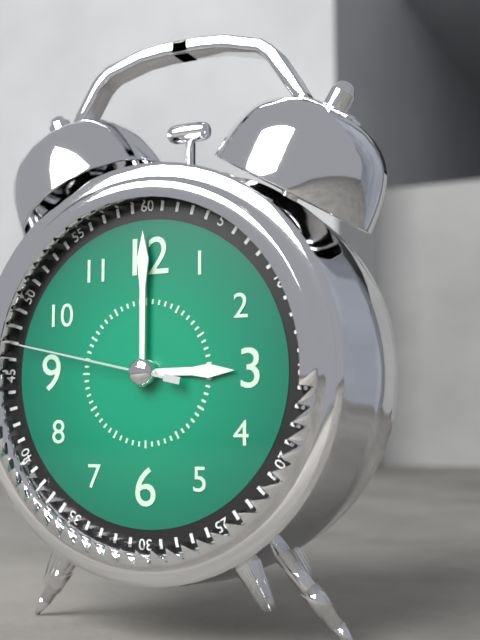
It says 3:00:47
